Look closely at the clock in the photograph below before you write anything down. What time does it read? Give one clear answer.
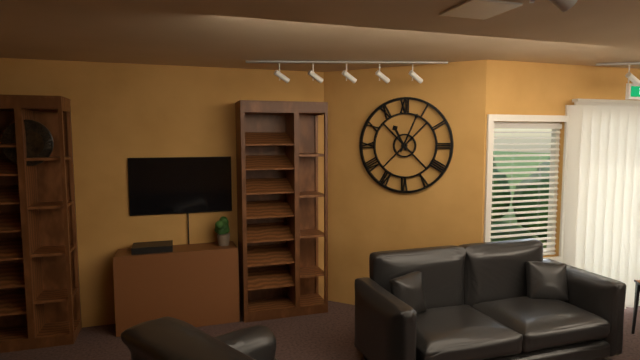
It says 11:04
